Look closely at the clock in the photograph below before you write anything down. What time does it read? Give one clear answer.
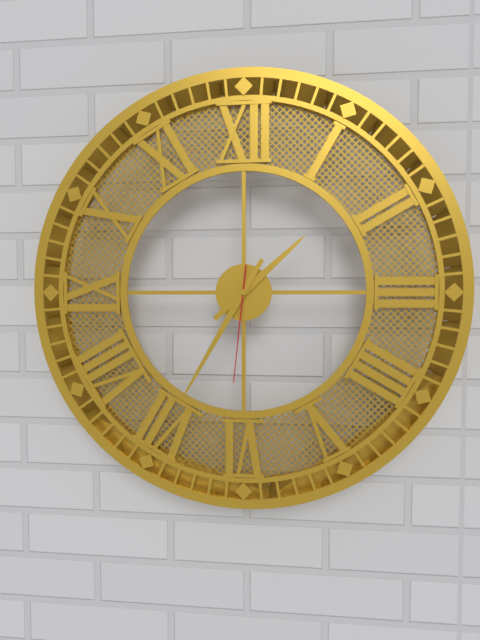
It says 1:35:31
